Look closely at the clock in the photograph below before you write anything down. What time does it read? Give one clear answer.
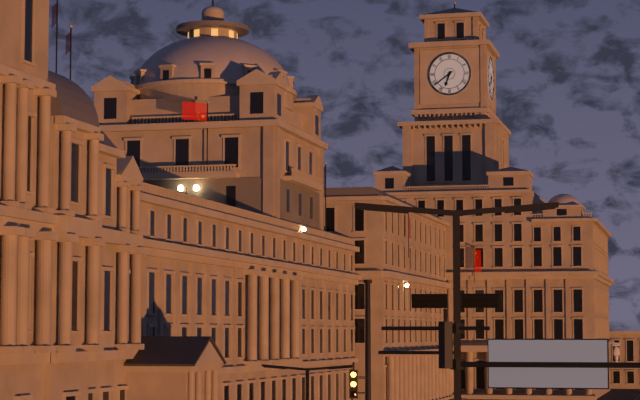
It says 6:39
